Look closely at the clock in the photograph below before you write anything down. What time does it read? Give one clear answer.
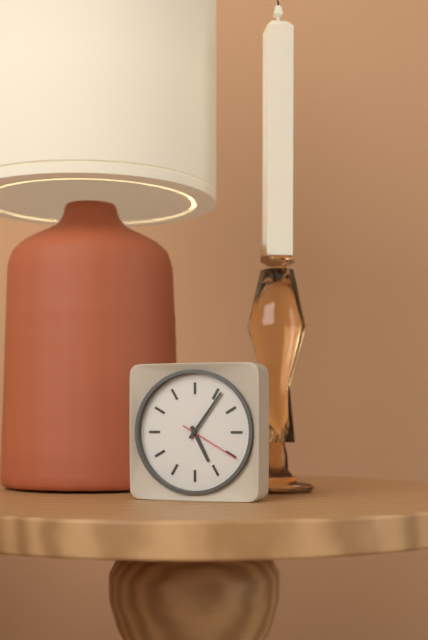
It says 5:06:20
